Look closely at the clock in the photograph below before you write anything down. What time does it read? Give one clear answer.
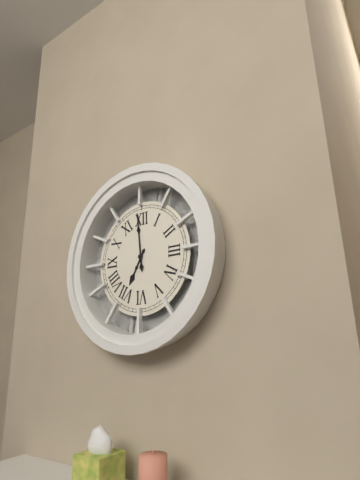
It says 6:59
